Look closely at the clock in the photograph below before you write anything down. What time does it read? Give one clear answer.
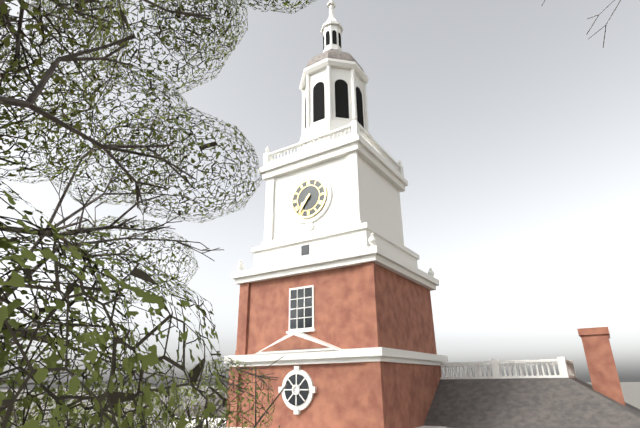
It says 7:36
